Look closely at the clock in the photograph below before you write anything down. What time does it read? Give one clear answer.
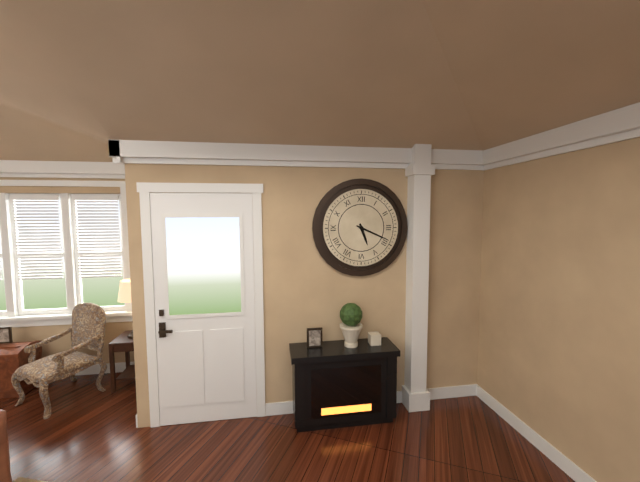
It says 5:19
